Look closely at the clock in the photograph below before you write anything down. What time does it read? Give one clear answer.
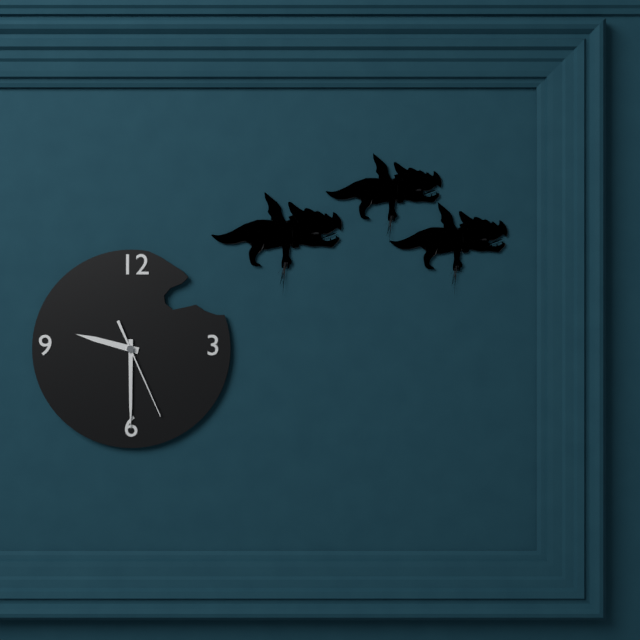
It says 9:30:26
